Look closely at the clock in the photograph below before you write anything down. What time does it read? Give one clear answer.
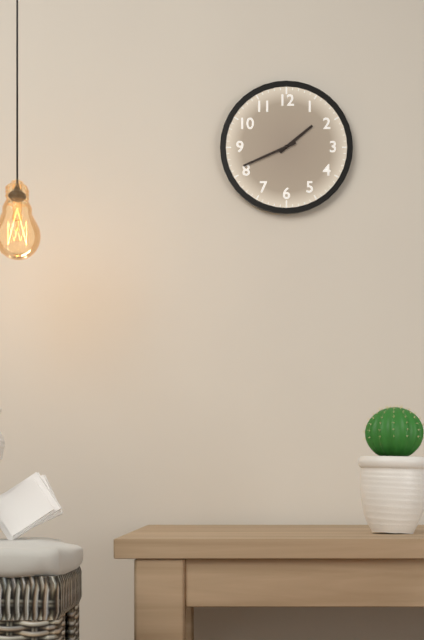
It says 1:41
